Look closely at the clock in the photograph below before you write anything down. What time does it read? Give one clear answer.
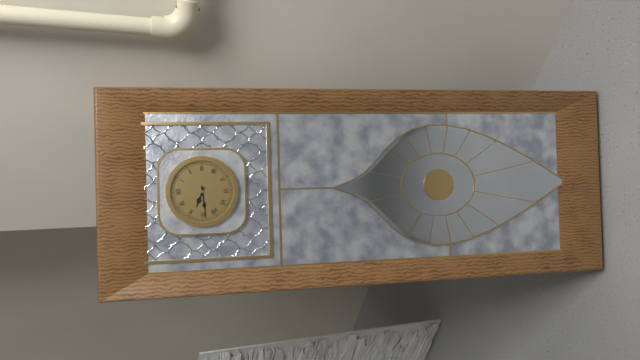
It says 9:44
